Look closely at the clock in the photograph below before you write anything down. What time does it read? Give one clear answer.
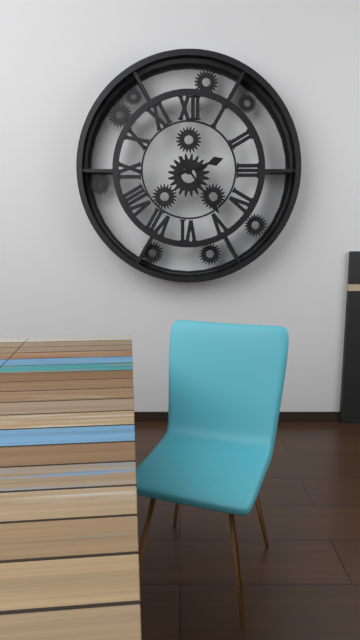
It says 2:24
